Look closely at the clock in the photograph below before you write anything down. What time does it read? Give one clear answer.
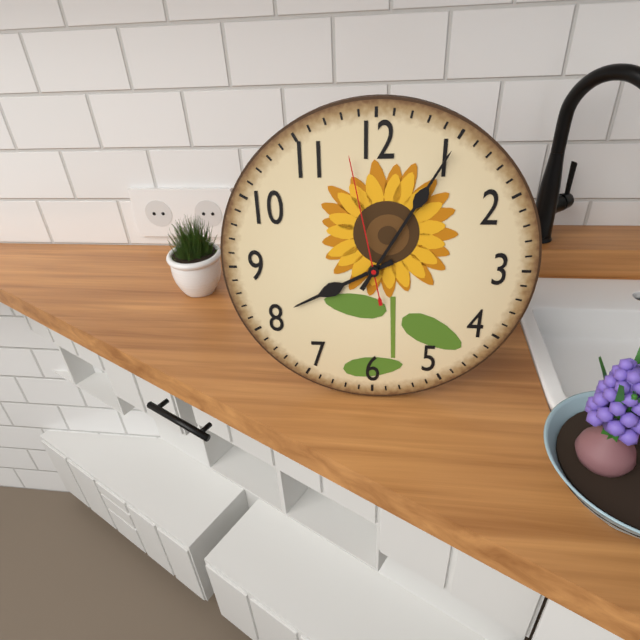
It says 8:05:58
